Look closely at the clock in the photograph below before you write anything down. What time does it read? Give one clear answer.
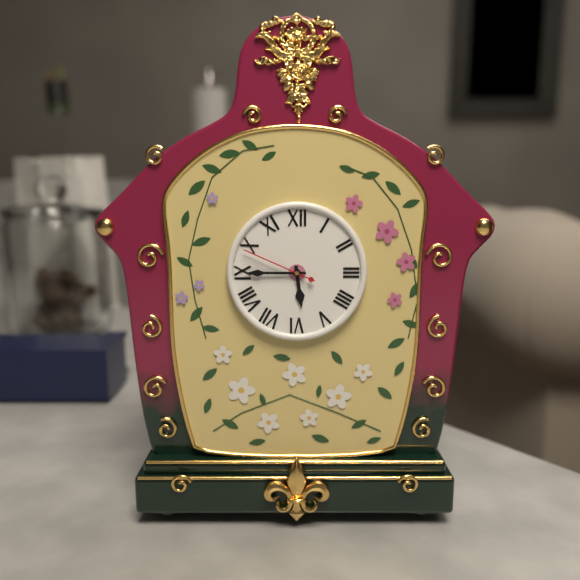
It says 5:45:49
